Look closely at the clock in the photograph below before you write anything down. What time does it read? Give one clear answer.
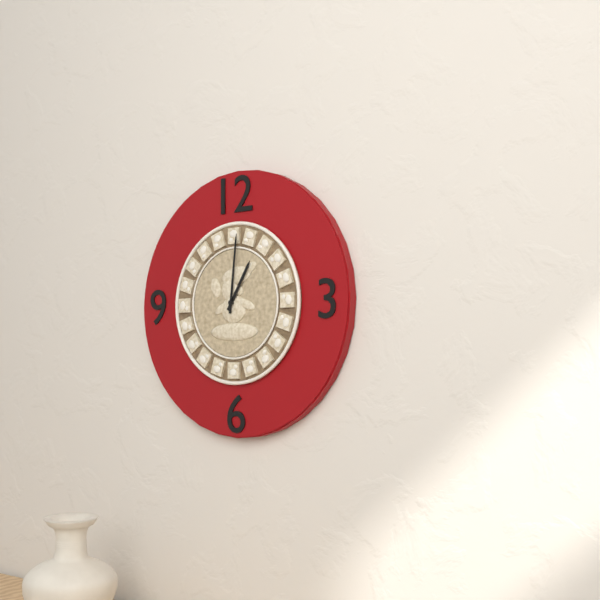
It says 1:01
